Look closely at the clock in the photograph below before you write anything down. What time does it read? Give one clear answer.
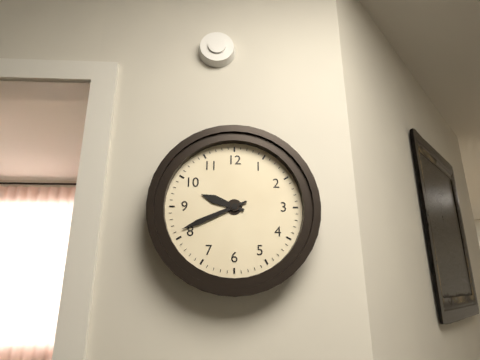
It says 9:41
